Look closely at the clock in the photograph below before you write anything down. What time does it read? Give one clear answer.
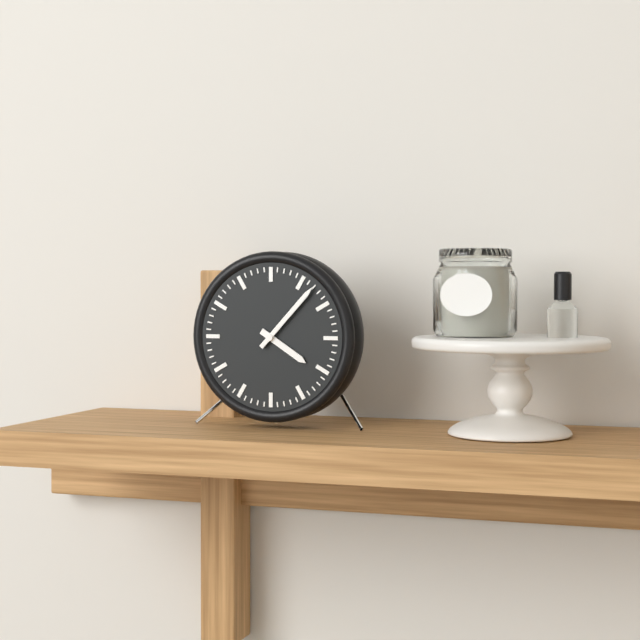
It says 4:07
